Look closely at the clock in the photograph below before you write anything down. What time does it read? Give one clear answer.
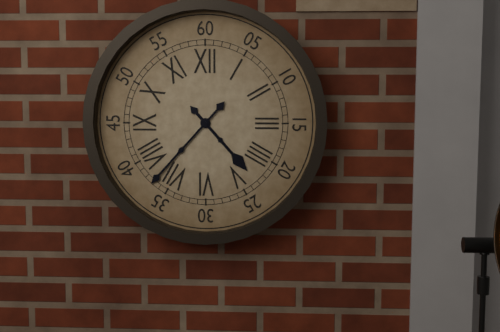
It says 4:37
